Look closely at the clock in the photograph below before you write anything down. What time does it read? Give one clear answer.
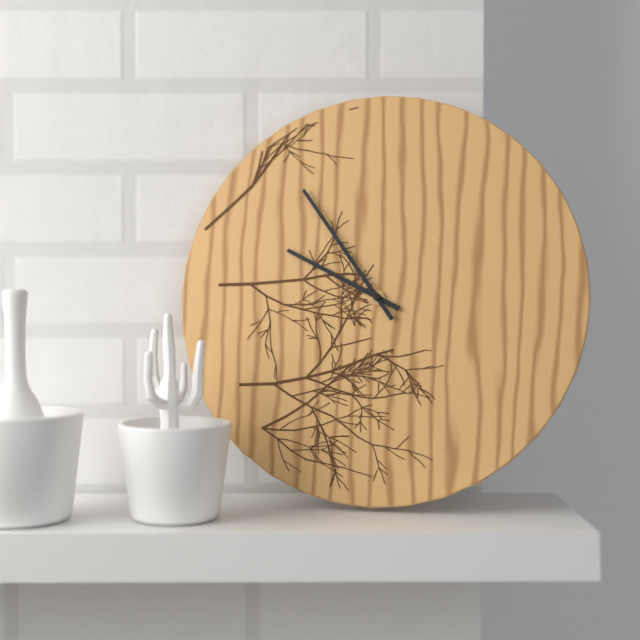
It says 9:54
